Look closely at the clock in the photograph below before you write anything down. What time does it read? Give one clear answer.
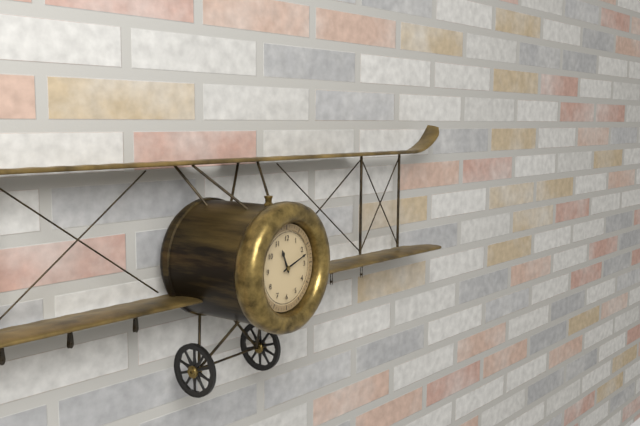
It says 11:12
